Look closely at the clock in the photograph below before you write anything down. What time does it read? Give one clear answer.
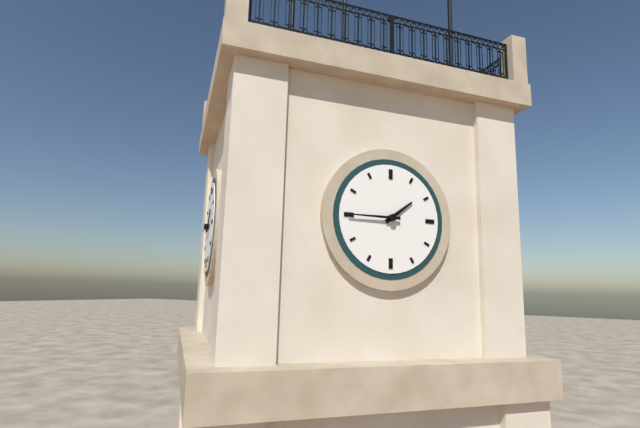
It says 1:45
